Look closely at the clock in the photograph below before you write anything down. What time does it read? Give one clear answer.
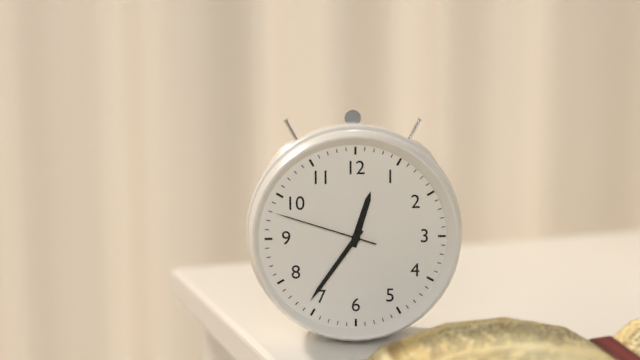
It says 12:36:48
